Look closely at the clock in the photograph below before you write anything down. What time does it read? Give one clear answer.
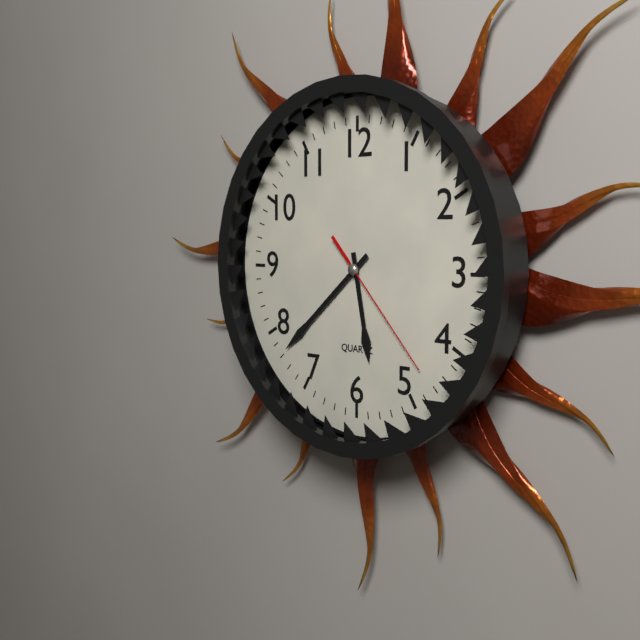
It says 5:38:23
